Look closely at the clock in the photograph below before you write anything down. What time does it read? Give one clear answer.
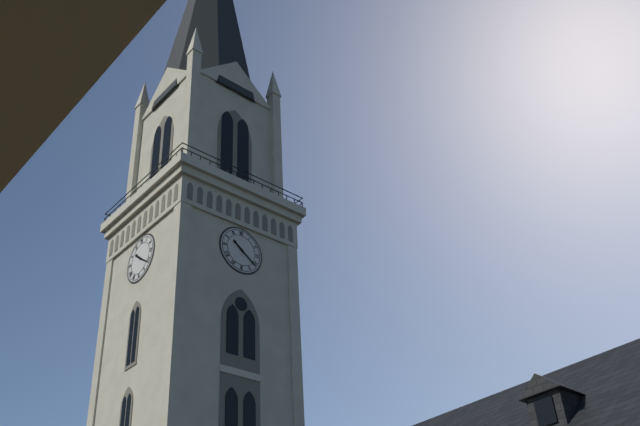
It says 10:21
